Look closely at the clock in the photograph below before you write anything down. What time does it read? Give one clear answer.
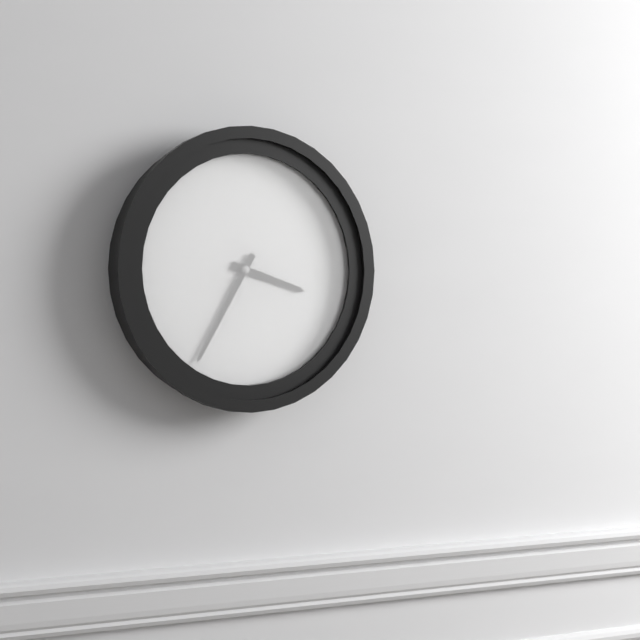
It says 3:35
